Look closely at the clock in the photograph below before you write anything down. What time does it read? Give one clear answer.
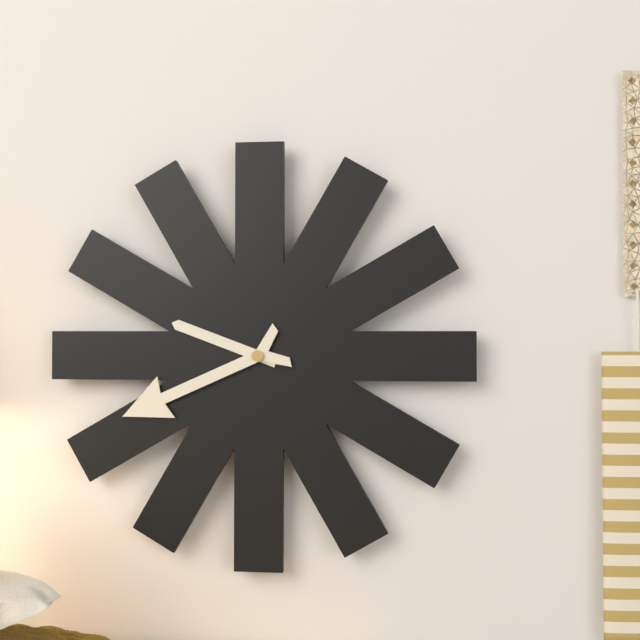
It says 9:41
